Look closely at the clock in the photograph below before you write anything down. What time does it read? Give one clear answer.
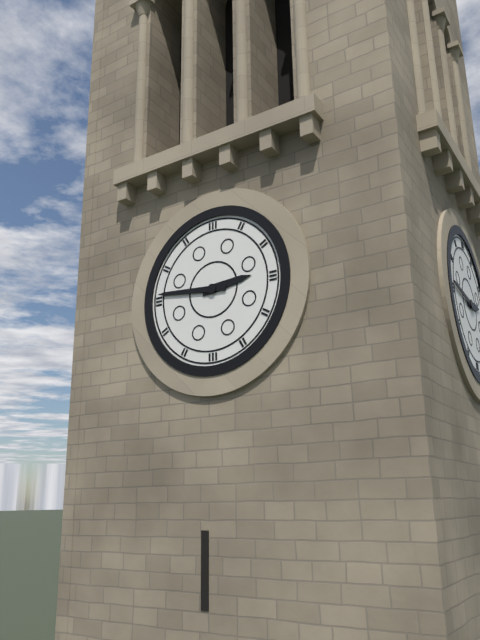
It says 2:46
